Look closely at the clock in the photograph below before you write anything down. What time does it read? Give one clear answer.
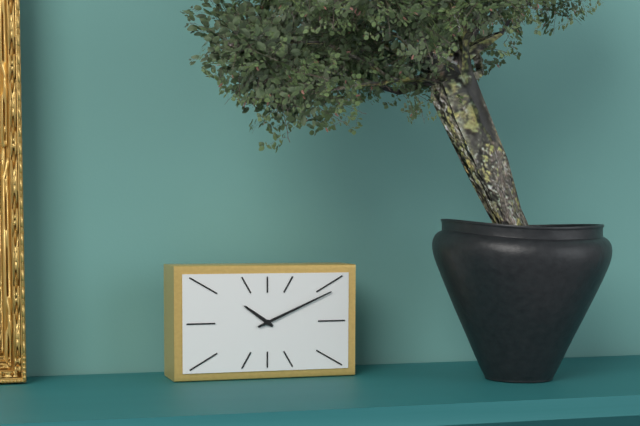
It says 10:11
